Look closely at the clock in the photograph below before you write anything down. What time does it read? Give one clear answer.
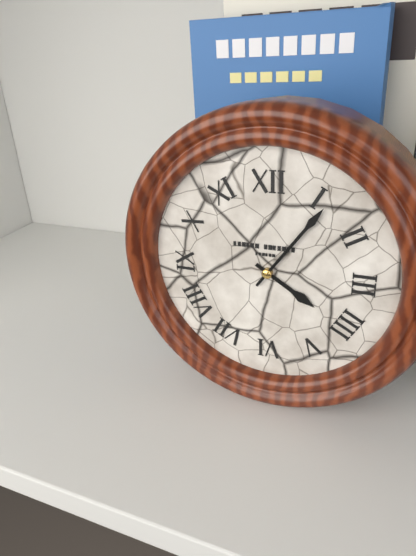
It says 4:06
